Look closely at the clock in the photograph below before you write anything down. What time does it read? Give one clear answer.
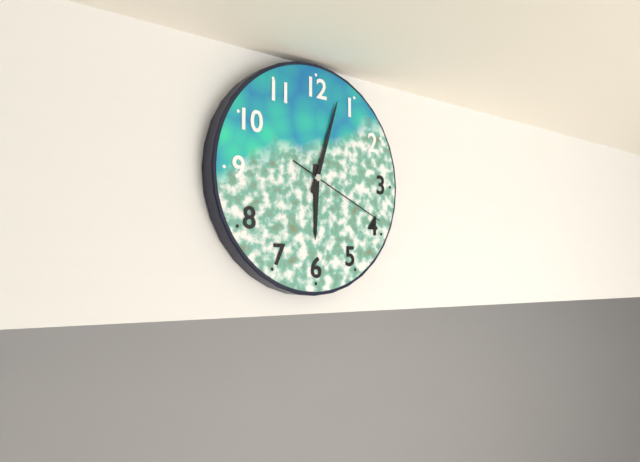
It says 6:03:19
